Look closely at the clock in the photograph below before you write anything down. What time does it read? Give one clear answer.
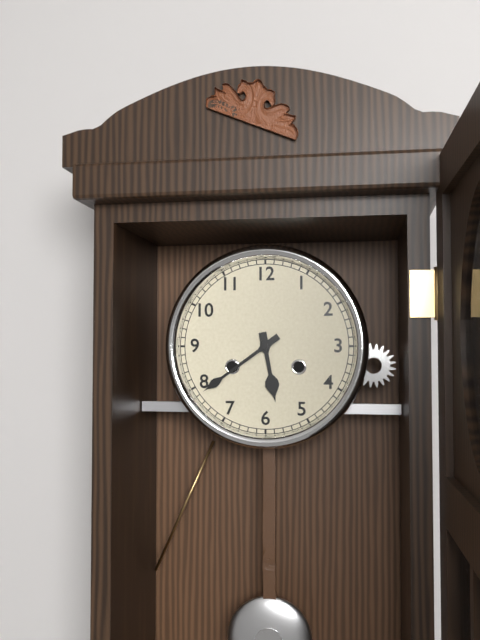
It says 5:39
